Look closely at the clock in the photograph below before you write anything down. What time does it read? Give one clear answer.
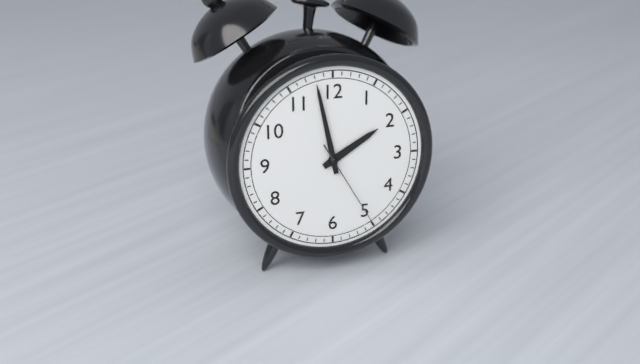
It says 1:58:25
